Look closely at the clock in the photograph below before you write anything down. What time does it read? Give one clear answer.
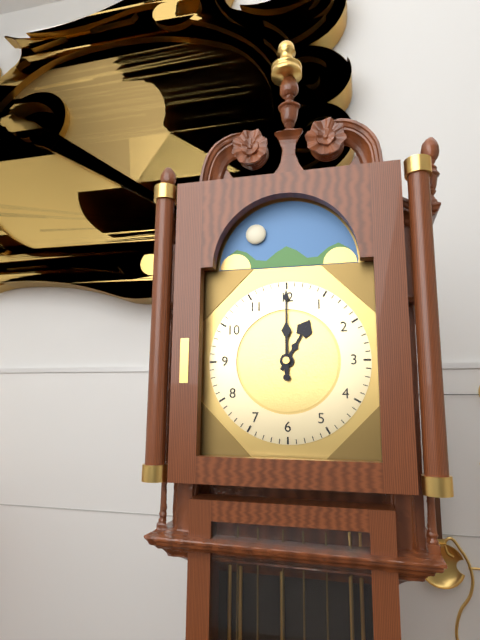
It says 1:00
